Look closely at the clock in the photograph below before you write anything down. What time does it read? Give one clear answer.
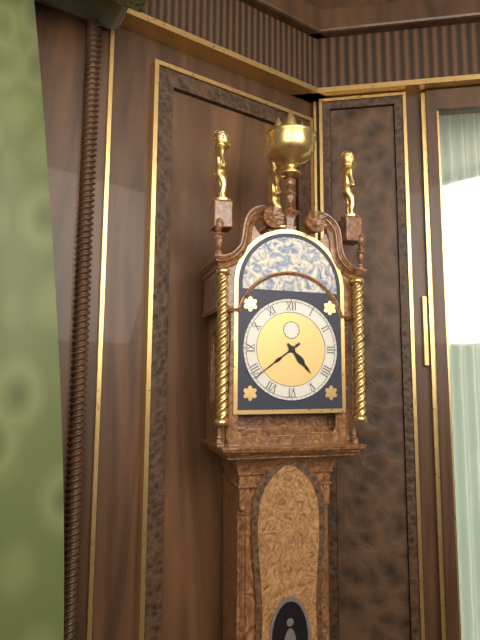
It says 4:39
